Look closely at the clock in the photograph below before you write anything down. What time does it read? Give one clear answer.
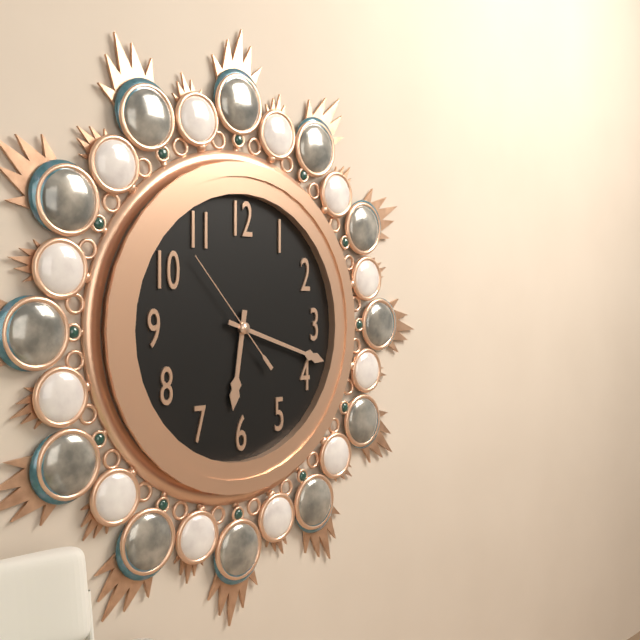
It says 6:18:53
